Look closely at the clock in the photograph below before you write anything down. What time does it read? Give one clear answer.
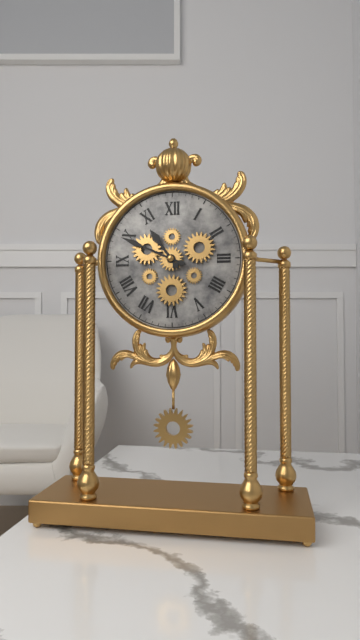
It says 10:49
